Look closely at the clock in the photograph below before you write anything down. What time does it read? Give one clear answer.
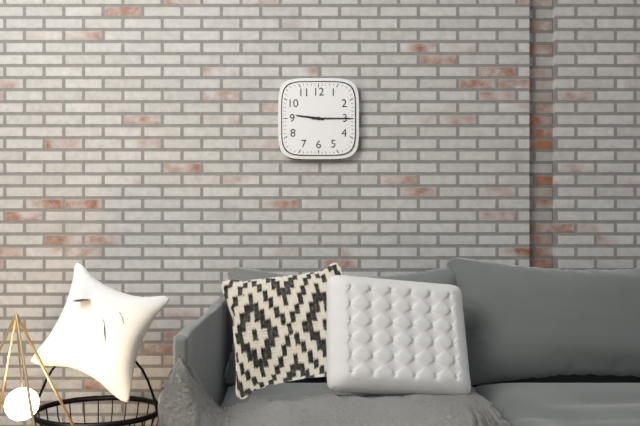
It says 9:15
